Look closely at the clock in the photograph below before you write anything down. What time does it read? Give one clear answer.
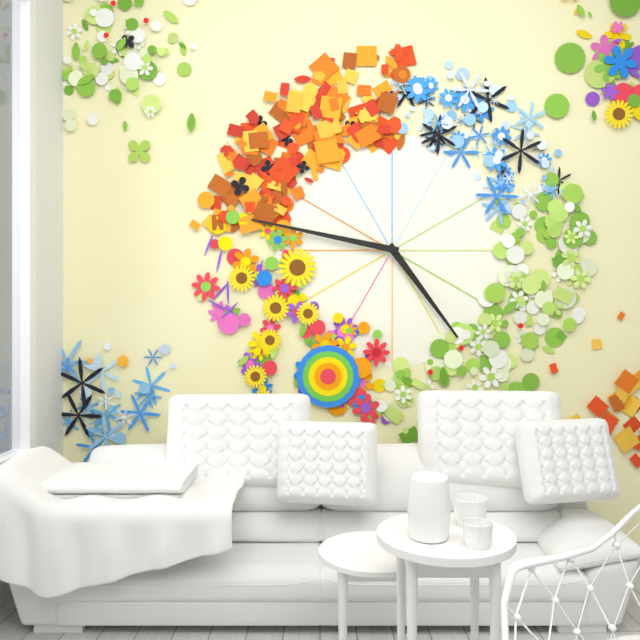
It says 4:47
